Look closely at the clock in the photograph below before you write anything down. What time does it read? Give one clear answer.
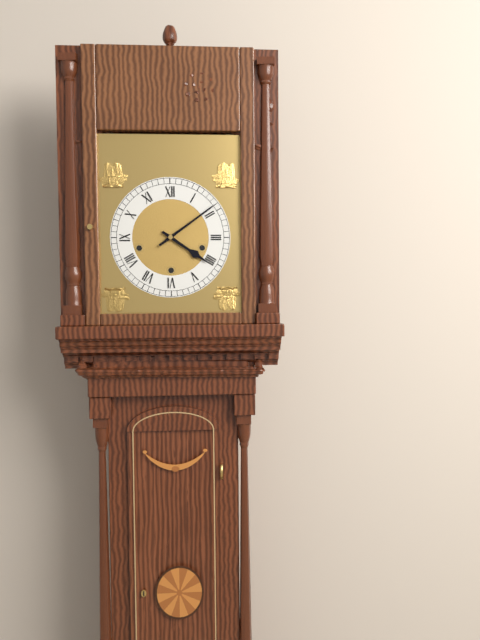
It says 4:09
